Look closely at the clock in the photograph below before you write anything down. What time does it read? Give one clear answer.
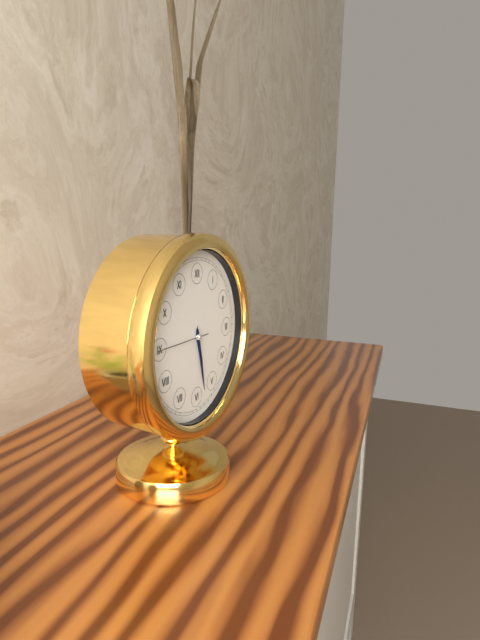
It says 5:28:45
